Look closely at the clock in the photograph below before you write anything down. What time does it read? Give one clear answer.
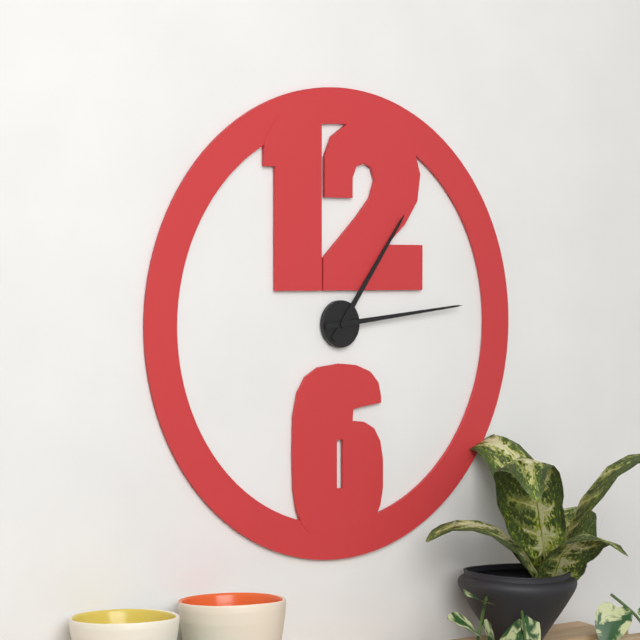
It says 1:14
